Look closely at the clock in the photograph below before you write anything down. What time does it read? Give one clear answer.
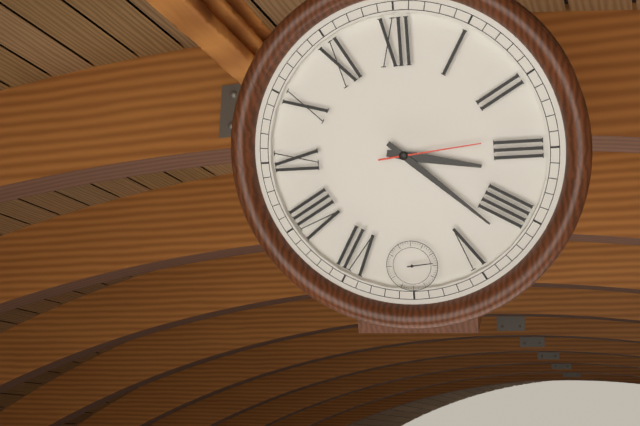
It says 3:22:14
